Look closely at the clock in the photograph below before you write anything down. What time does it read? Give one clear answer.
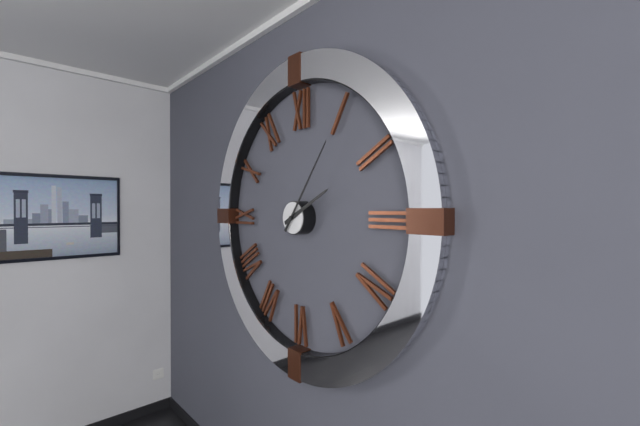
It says 2:06
